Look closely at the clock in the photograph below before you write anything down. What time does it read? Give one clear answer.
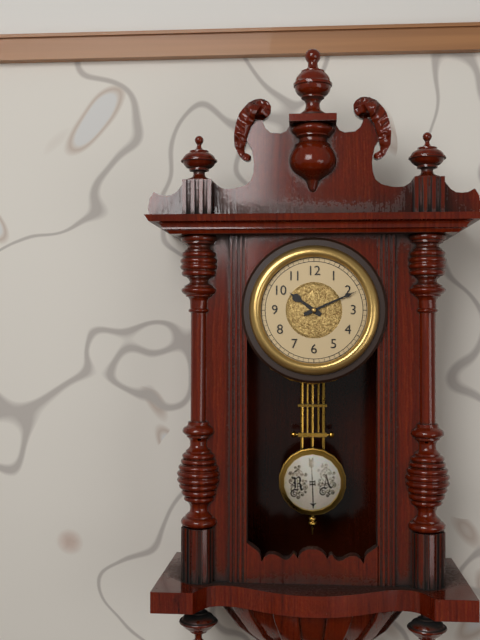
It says 10:11
